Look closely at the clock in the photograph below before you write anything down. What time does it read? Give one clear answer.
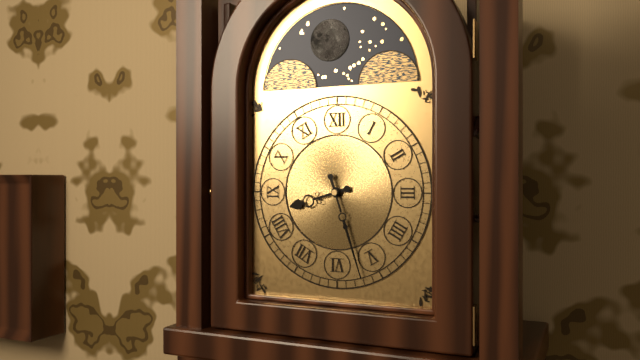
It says 8:27
